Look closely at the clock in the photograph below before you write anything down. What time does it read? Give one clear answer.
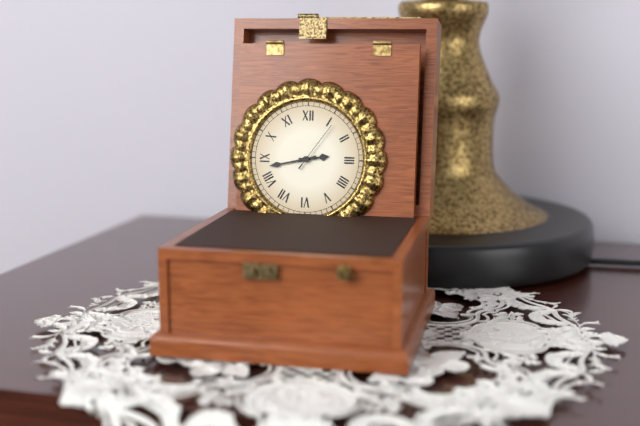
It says 2:43:06
